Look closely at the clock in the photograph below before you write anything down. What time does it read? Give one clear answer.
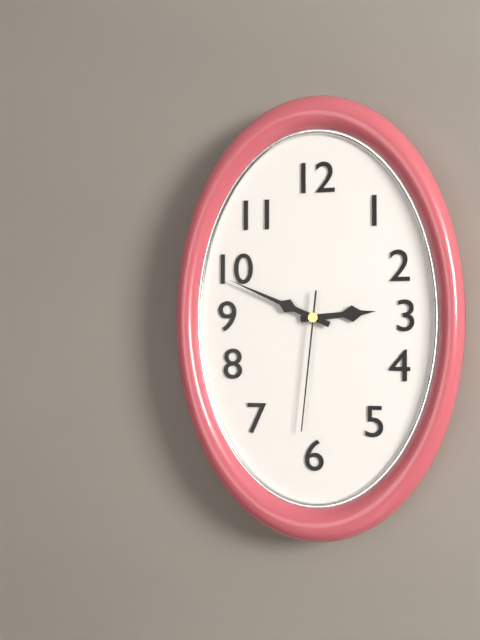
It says 2:49:31
